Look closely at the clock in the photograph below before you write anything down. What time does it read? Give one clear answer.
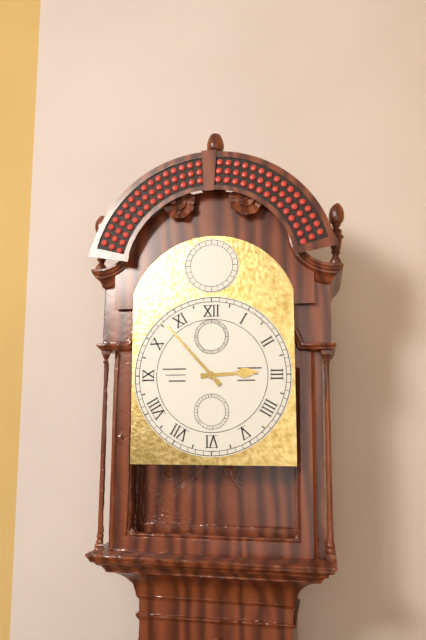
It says 2:53
